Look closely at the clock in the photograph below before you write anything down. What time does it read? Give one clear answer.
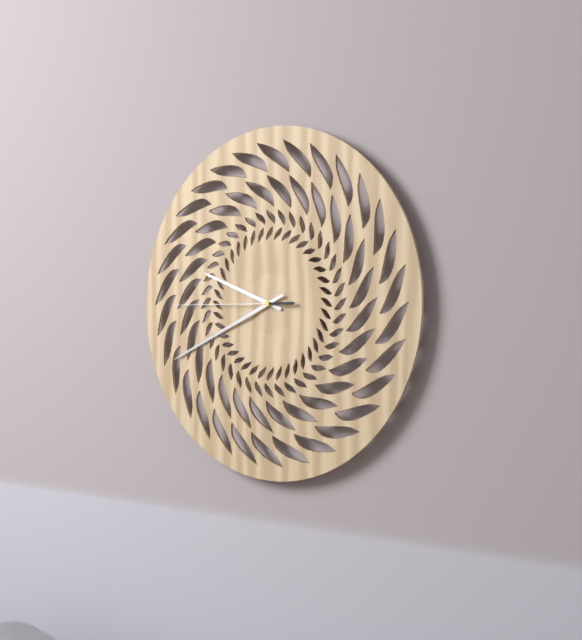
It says 9:41:45
